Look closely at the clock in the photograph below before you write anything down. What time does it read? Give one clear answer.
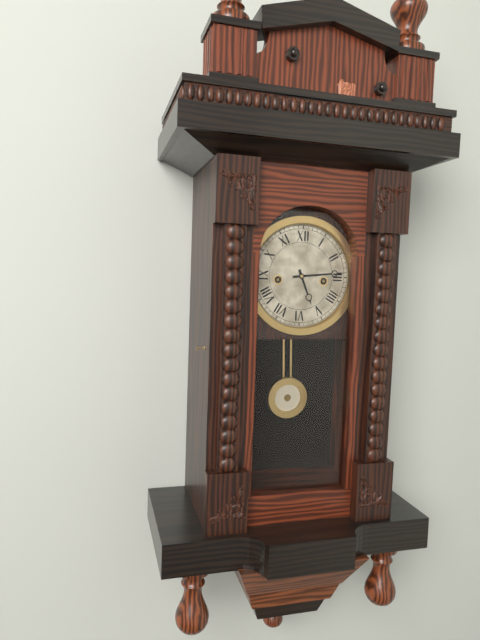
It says 5:14
